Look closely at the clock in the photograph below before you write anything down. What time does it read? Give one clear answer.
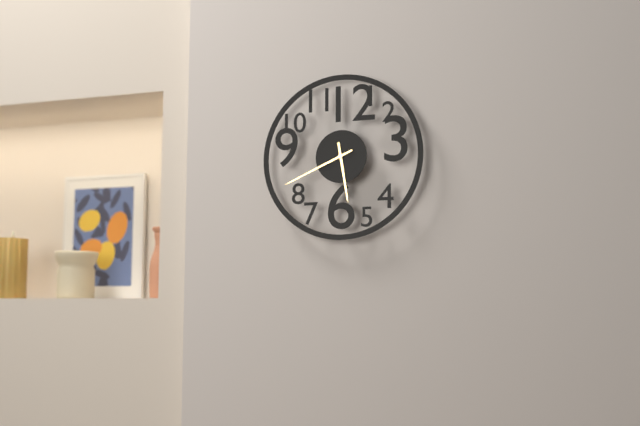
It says 5:41
